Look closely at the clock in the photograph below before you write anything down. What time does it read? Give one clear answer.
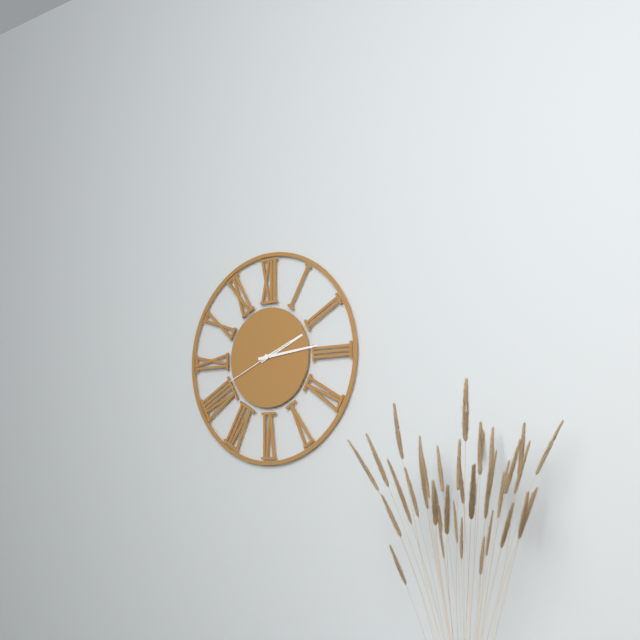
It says 2:14:41
